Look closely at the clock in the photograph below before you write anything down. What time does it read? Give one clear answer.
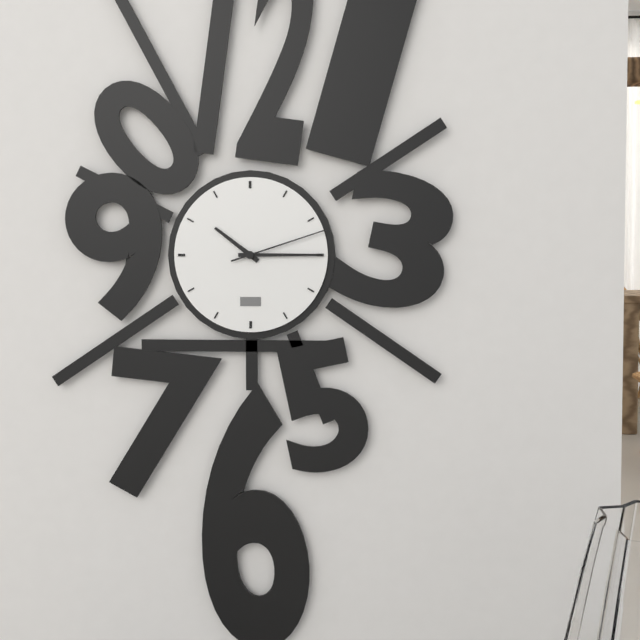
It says 10:15:12
